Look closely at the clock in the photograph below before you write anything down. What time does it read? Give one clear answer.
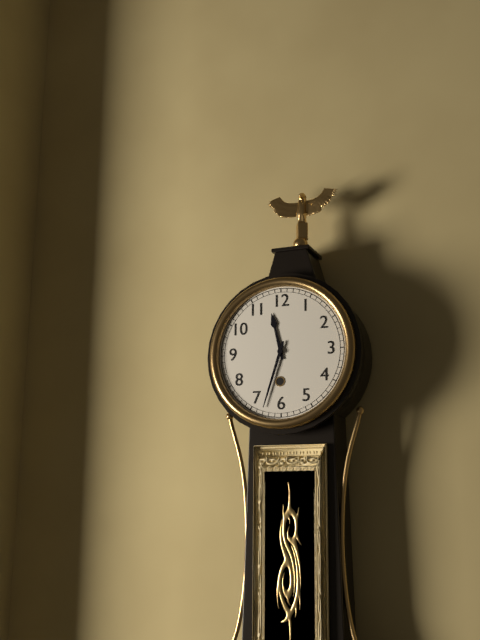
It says 11:33
